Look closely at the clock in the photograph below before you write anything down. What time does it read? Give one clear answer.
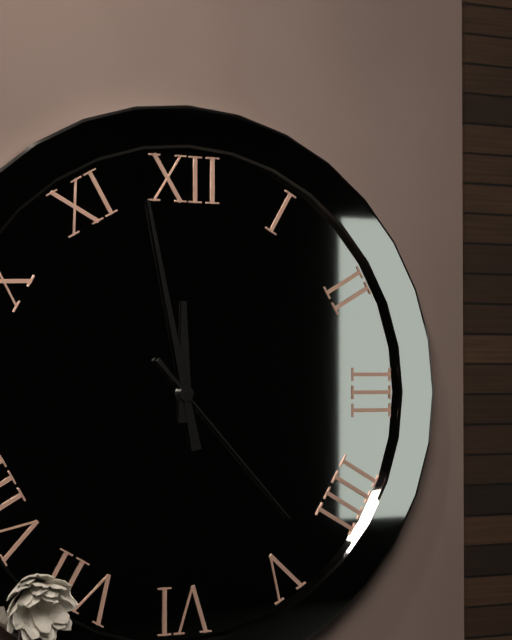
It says 11:58:23
